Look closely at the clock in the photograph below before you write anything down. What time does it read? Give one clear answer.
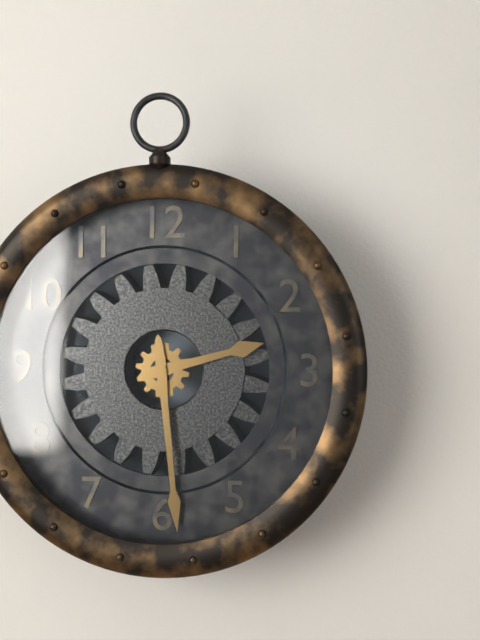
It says 2:29
